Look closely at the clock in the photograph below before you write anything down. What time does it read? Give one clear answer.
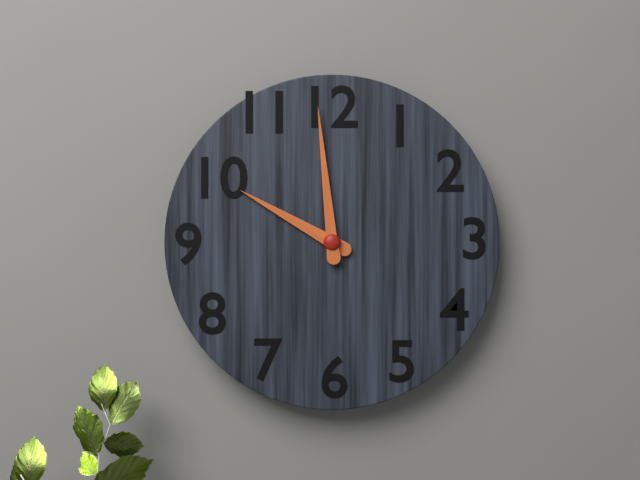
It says 9:59
